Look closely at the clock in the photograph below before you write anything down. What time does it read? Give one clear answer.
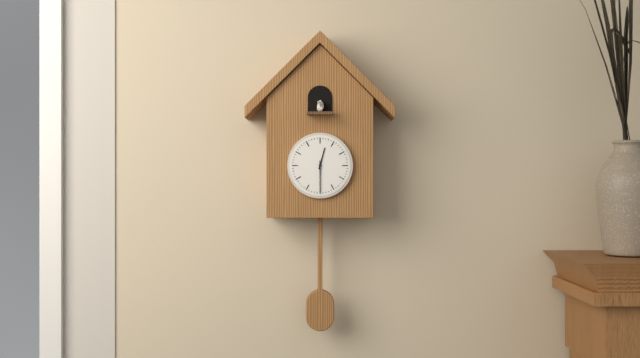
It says 12:30
